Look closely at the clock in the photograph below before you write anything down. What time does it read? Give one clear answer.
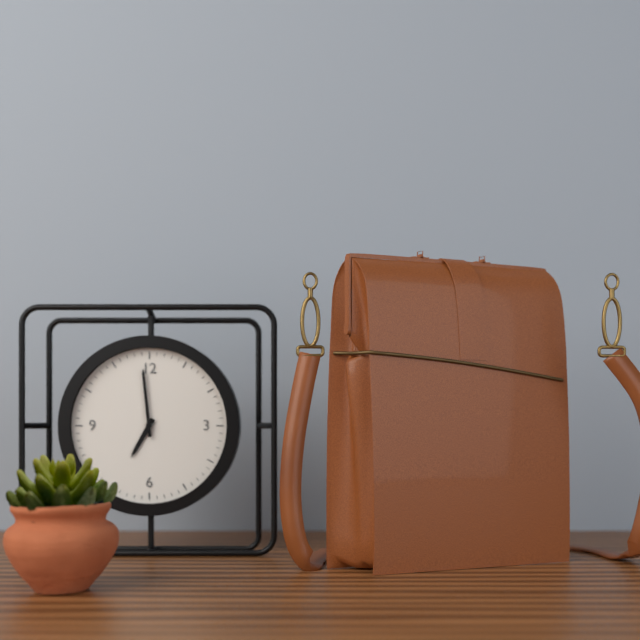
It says 6:59
